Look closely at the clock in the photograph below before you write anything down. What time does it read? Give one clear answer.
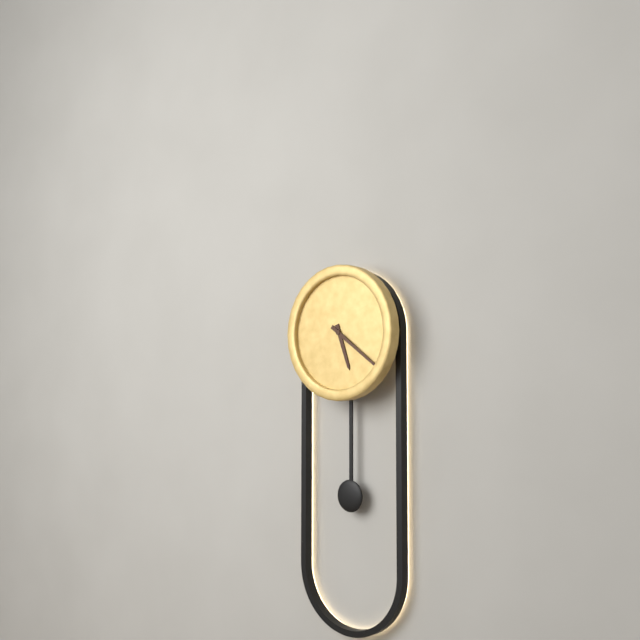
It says 5:21
